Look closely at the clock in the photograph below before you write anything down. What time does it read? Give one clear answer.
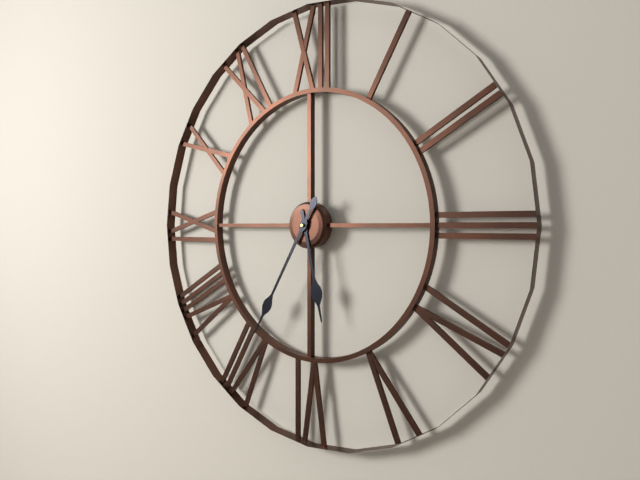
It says 5:35
